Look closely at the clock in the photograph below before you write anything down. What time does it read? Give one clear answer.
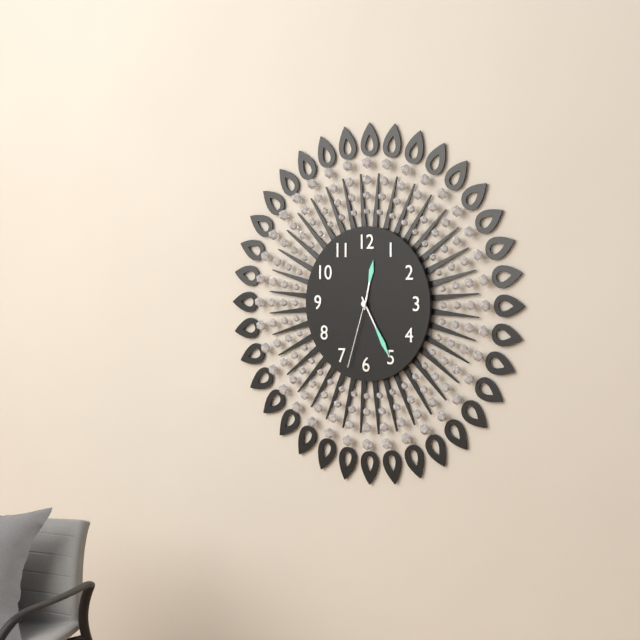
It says 12:25:33
